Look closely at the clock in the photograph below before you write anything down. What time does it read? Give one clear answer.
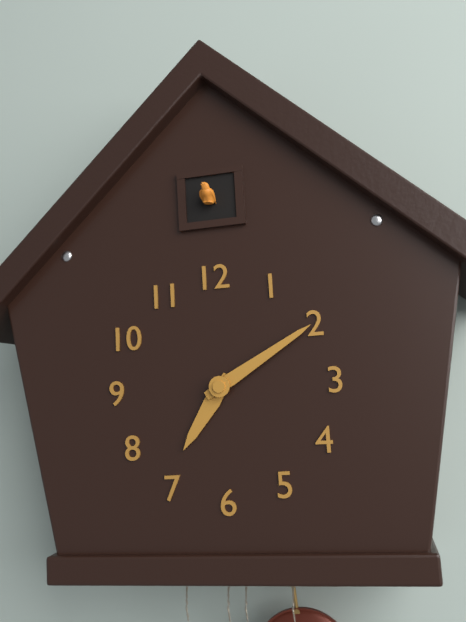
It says 7:10
